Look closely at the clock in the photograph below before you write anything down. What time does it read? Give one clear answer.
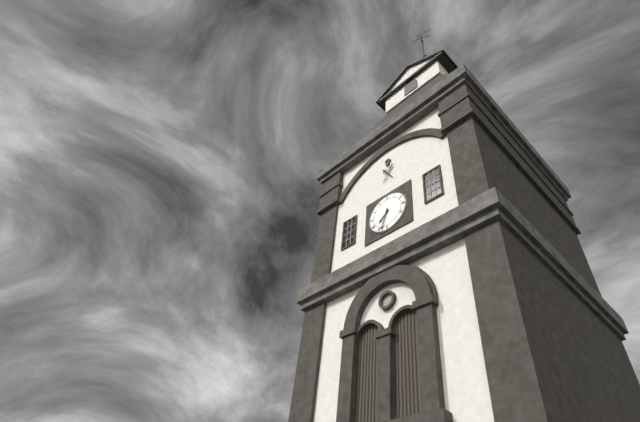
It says 7:33
